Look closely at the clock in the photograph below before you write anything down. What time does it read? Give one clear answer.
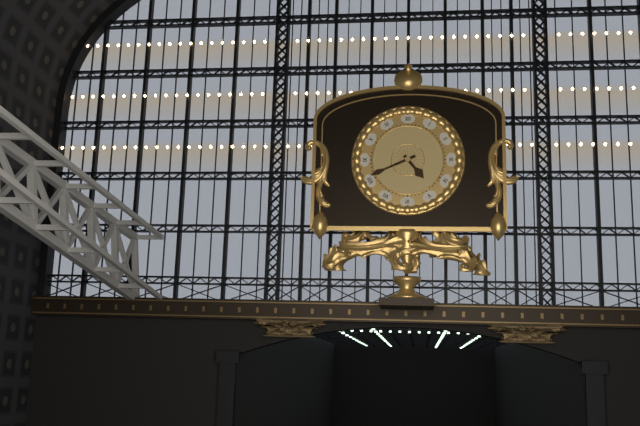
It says 4:41
